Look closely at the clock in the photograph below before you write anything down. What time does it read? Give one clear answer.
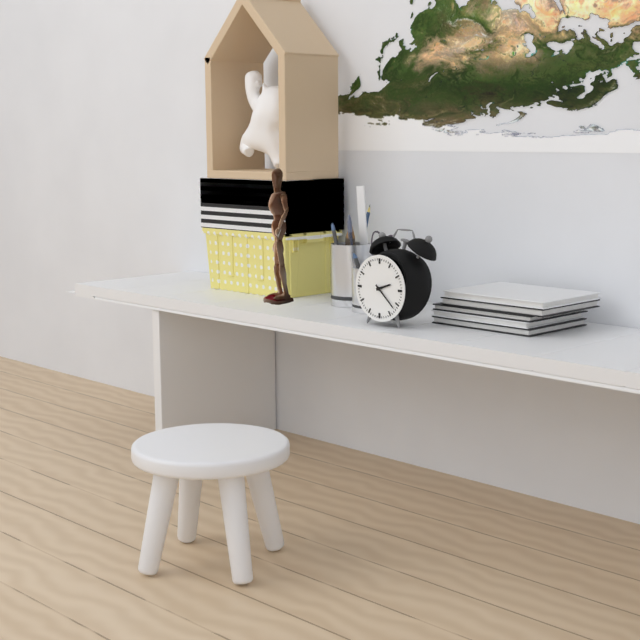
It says 2:22
